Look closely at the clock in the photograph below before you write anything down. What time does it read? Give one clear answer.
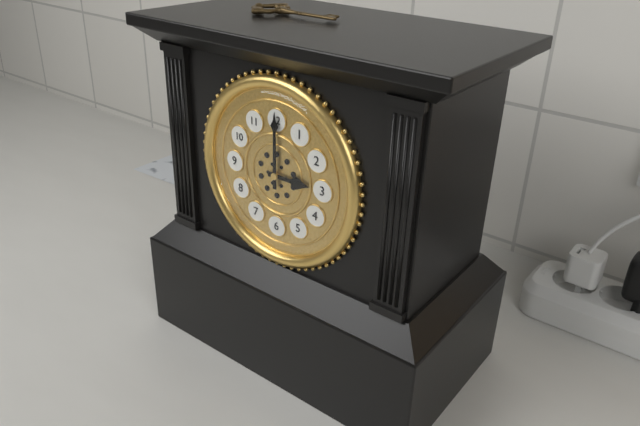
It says 3:00
